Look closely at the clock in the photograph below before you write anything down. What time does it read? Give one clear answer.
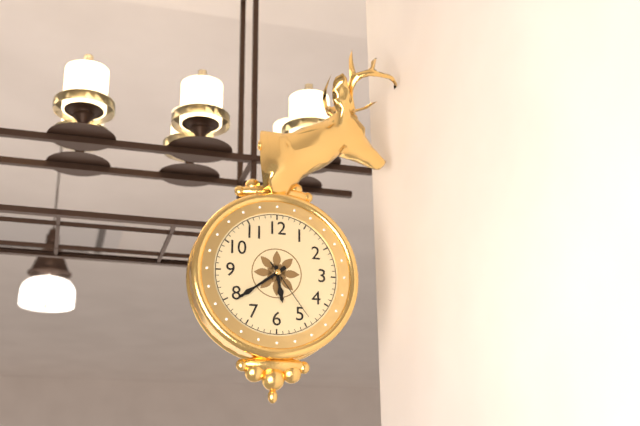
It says 5:39:24
